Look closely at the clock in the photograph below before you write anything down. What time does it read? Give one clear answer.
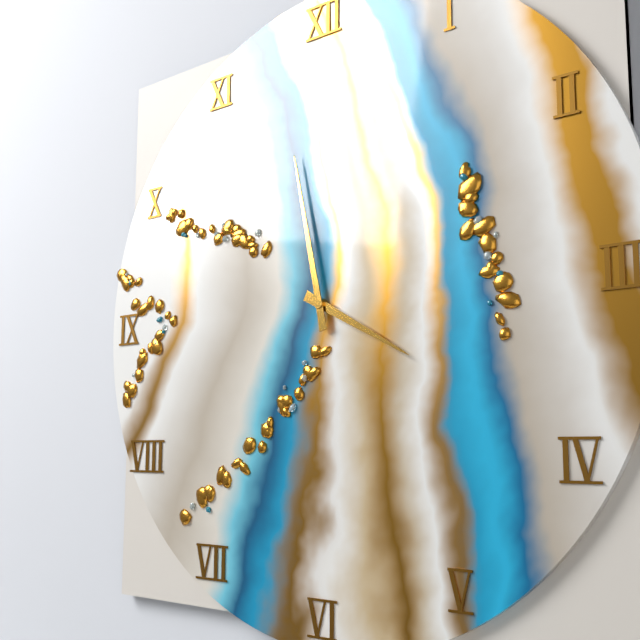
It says 3:58
